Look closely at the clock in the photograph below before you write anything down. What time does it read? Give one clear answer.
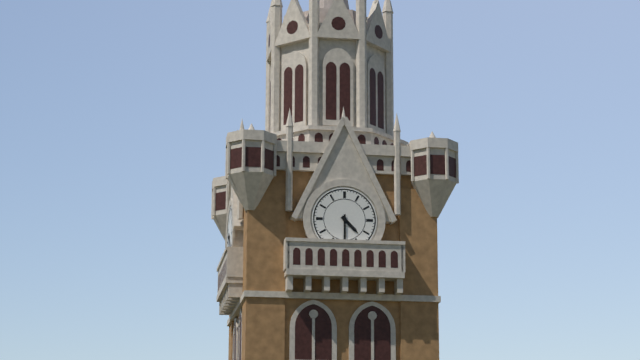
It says 4:30
